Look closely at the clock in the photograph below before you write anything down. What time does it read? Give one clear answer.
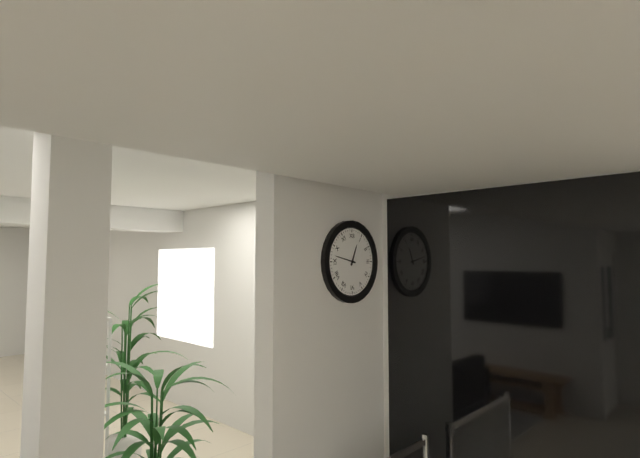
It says 12:47
